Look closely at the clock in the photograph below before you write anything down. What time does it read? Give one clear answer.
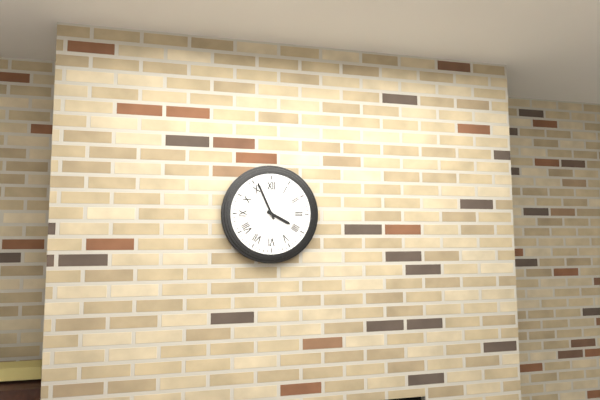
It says 3:56
